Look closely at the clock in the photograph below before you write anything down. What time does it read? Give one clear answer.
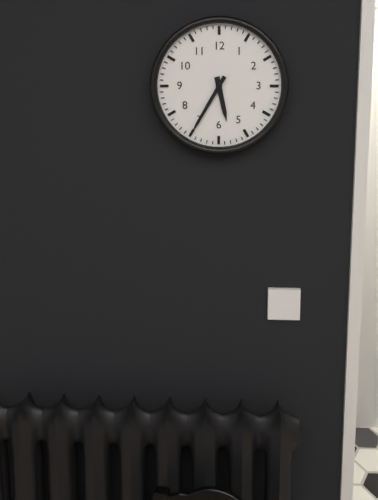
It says 5:35
